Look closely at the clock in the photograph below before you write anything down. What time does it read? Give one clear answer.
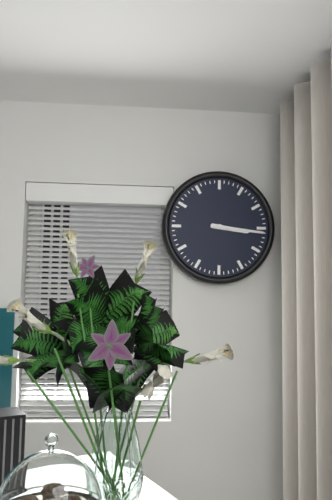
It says 3:16
